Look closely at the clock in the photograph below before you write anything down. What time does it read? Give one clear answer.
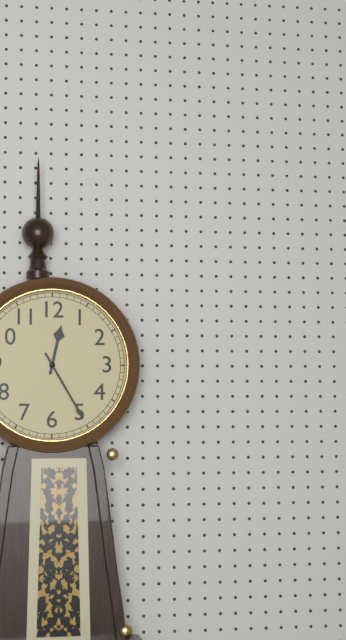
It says 12:25
